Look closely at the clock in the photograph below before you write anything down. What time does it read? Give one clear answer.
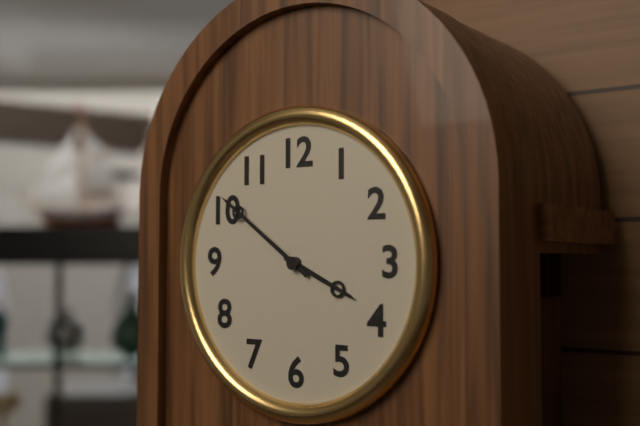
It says 3:51
